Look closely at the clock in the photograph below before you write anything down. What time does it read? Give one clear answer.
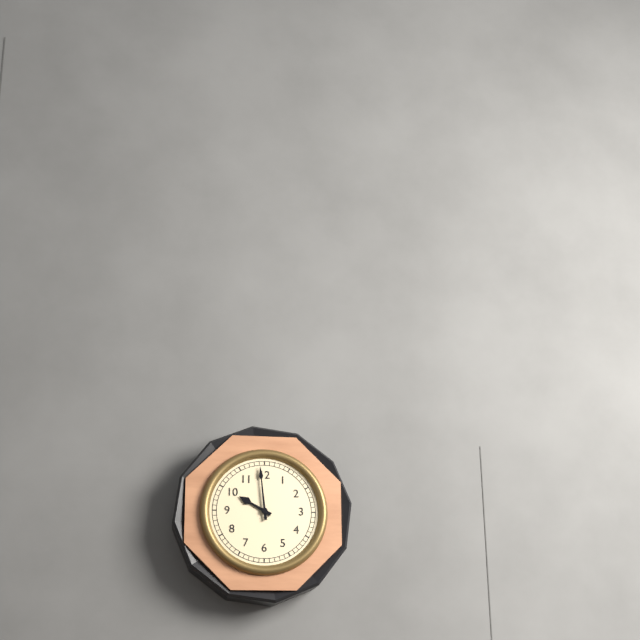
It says 9:59
